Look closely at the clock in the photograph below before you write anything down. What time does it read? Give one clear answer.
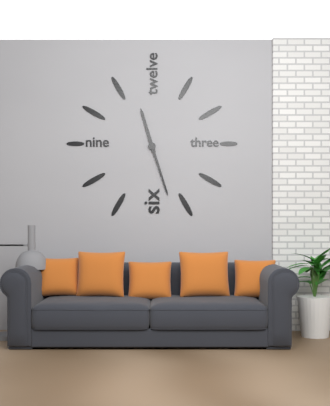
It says 11:27
